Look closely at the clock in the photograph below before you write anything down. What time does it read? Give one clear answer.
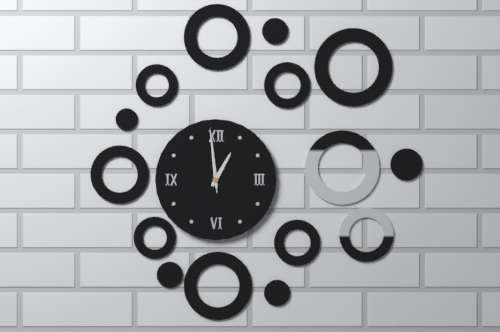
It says 12:59:59
